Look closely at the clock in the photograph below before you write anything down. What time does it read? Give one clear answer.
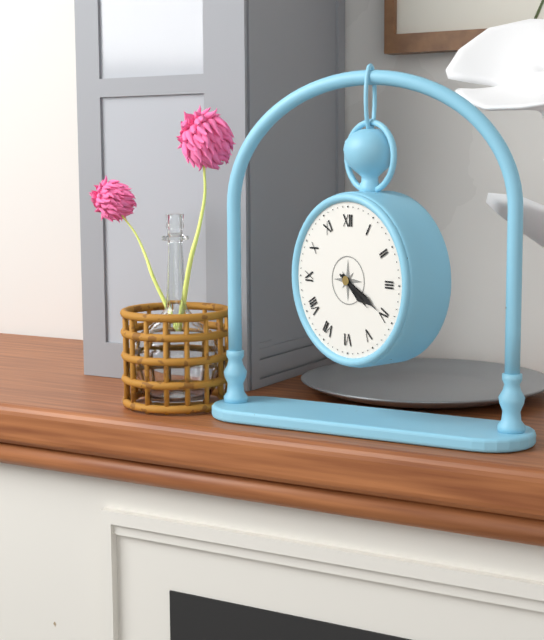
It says 4:20
